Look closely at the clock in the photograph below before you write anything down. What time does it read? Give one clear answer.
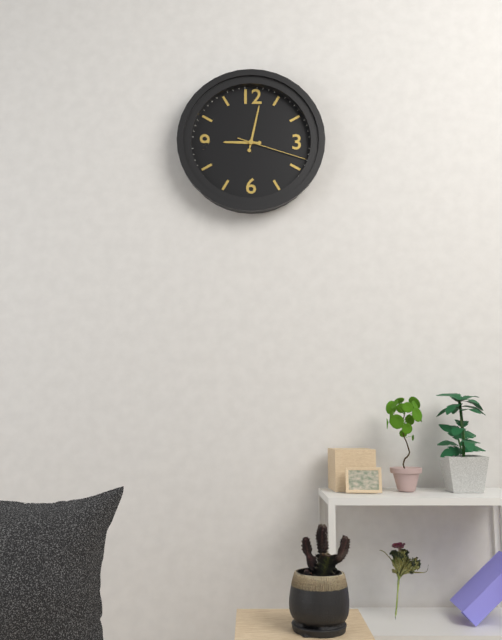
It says 9:02:18
